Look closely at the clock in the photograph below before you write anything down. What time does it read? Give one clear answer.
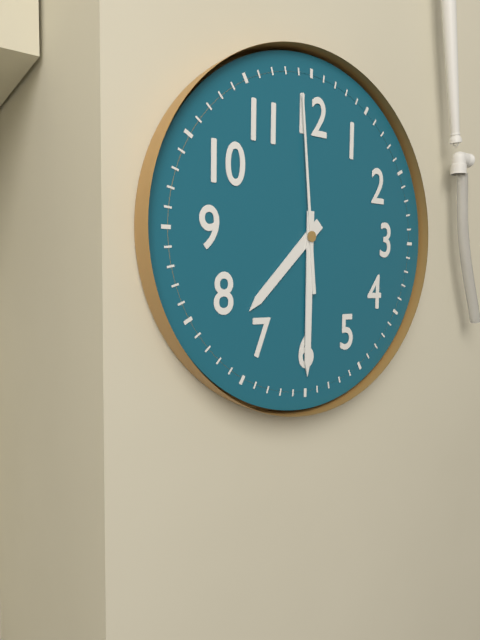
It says 7:30:59
